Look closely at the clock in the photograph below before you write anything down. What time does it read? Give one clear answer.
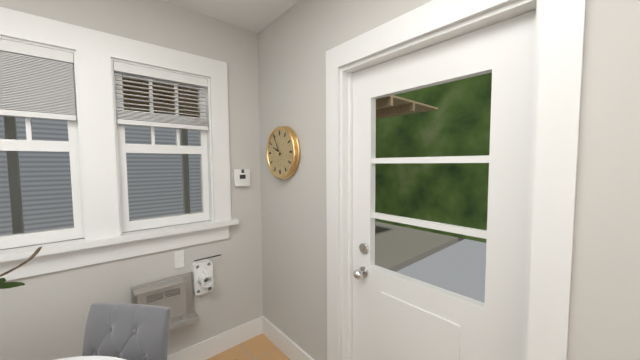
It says 9:55
